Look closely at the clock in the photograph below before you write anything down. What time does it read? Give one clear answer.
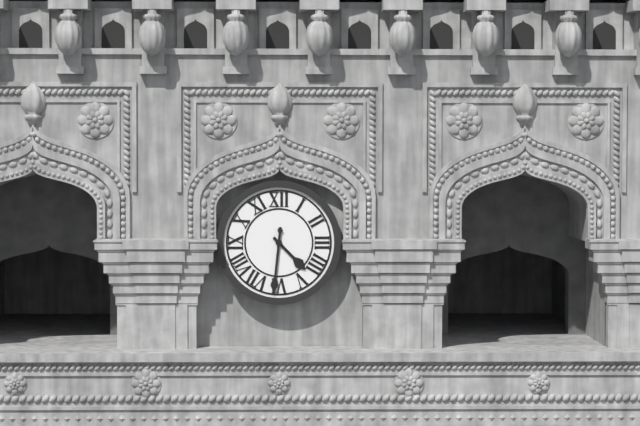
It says 4:31
